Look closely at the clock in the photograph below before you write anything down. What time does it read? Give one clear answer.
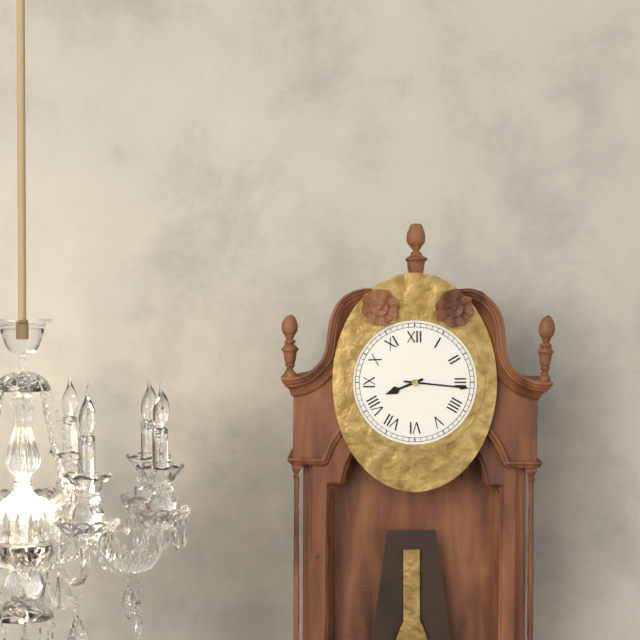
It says 8:16
